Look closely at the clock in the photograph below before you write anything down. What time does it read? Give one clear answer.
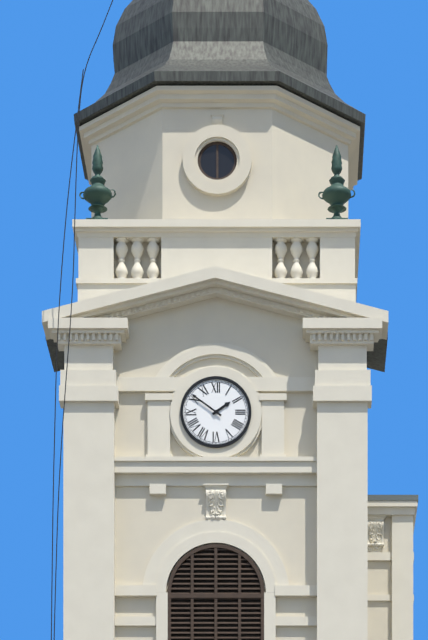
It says 1:51
